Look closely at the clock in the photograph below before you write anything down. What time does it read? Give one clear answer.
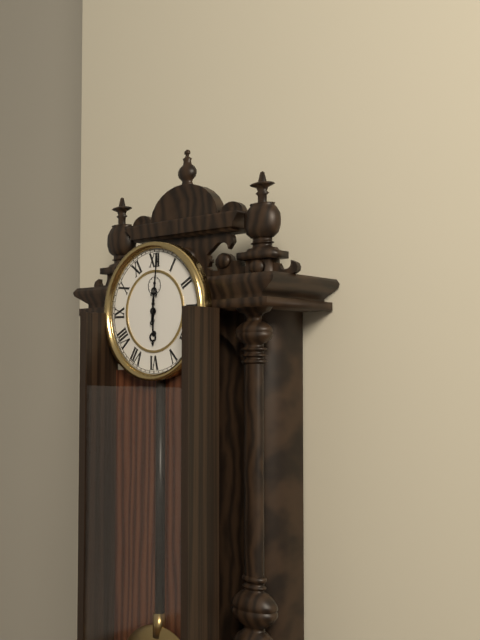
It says 6:01
